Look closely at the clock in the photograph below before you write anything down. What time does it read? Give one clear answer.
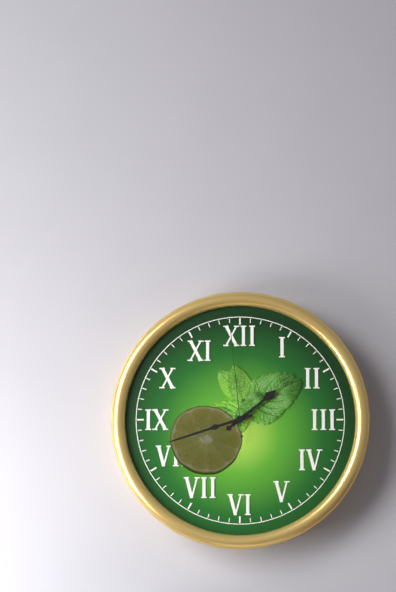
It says 1:42:59
